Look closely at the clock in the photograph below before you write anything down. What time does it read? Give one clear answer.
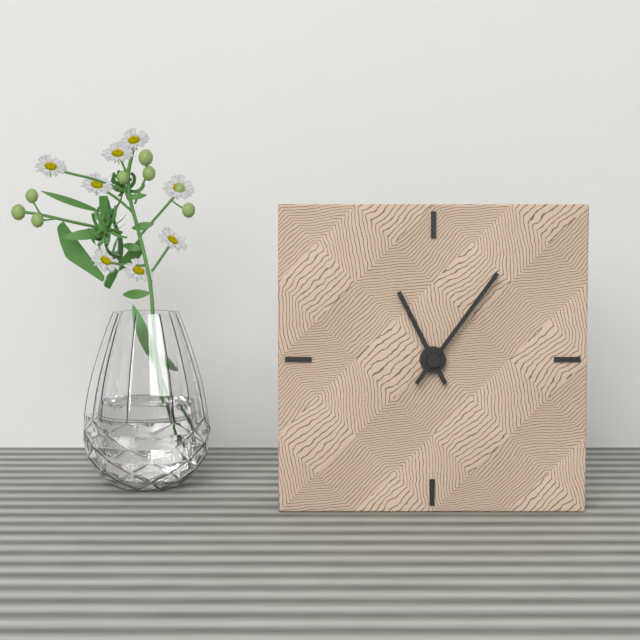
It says 11:06
